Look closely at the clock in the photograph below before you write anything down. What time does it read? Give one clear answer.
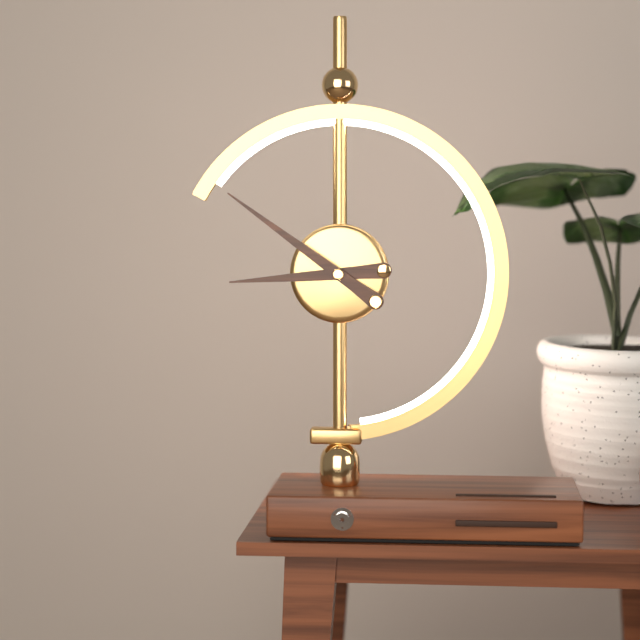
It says 8:51
